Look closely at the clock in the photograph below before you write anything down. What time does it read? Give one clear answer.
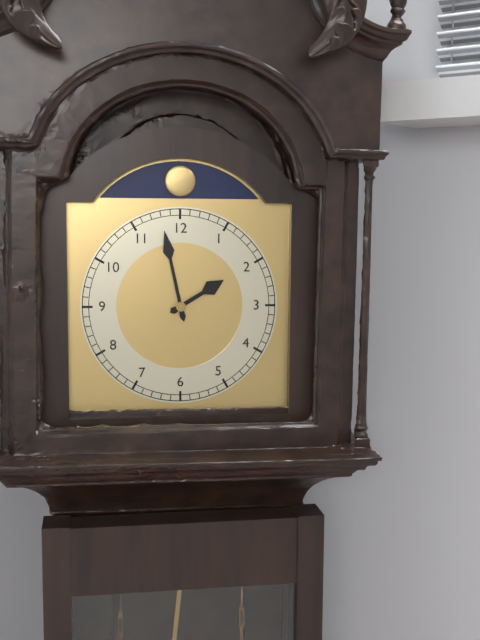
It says 1:58
